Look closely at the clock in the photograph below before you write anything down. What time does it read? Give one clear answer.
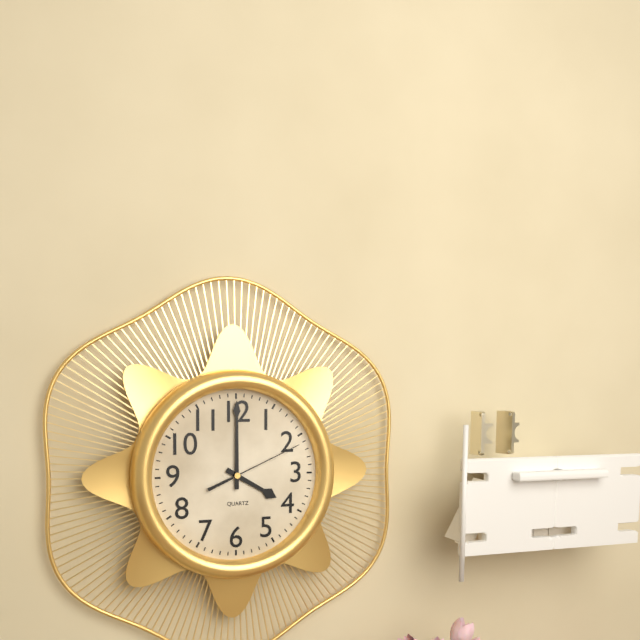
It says 4:00:11
